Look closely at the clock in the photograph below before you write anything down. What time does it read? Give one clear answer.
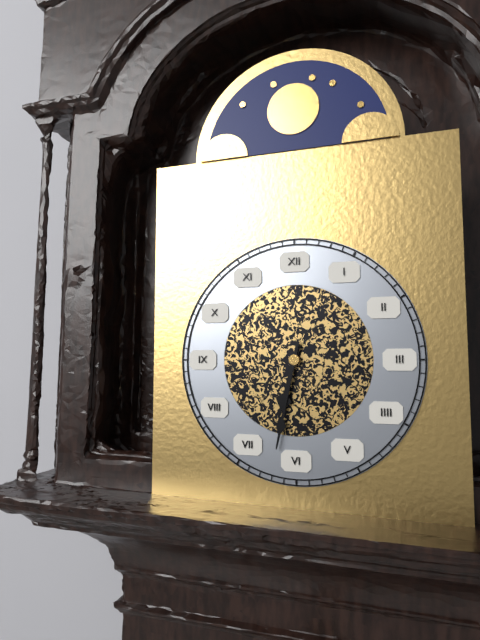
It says 6:32
